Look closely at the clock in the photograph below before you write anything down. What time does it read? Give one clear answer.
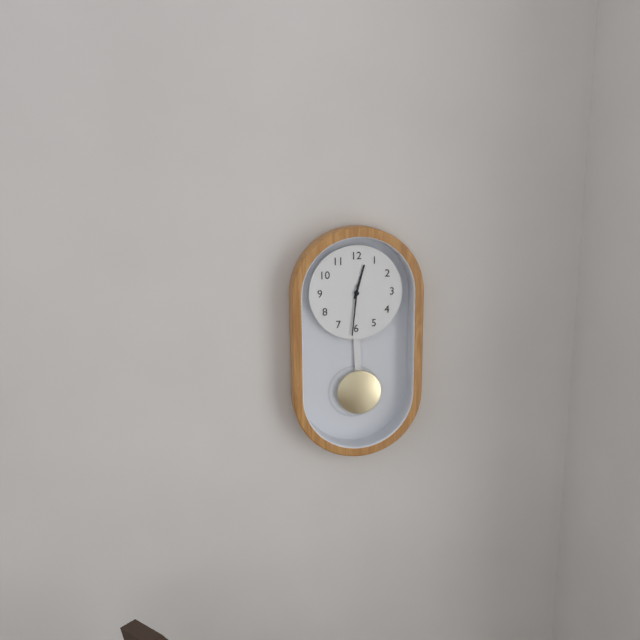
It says 12:31
